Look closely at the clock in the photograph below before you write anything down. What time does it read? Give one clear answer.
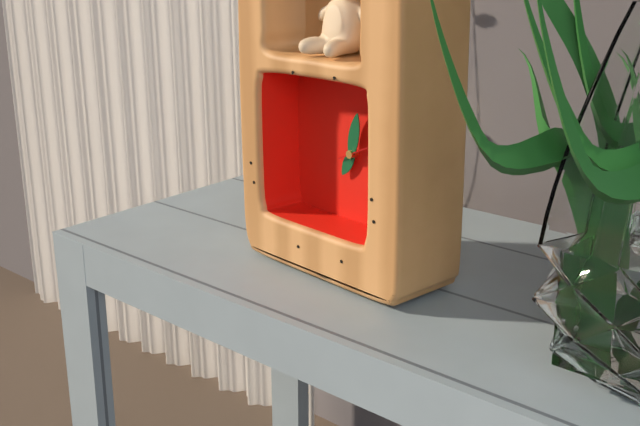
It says 7:02
